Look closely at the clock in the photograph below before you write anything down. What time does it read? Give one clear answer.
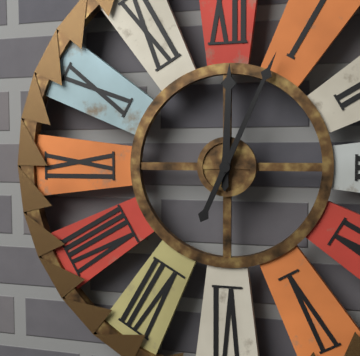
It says 12:04
